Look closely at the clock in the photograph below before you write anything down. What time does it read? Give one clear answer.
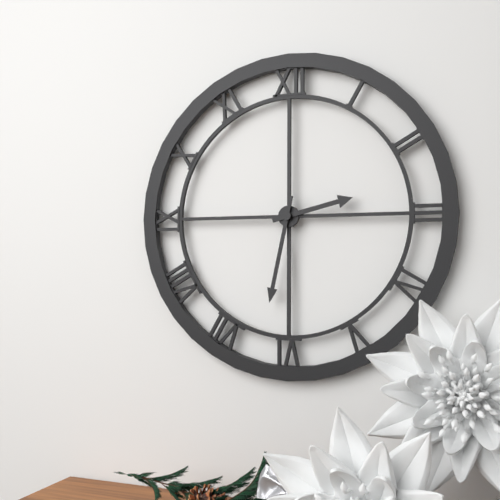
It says 2:32
